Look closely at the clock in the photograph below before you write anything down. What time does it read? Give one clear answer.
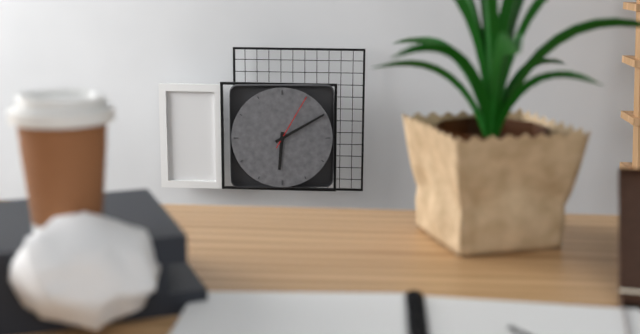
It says 6:10:05
